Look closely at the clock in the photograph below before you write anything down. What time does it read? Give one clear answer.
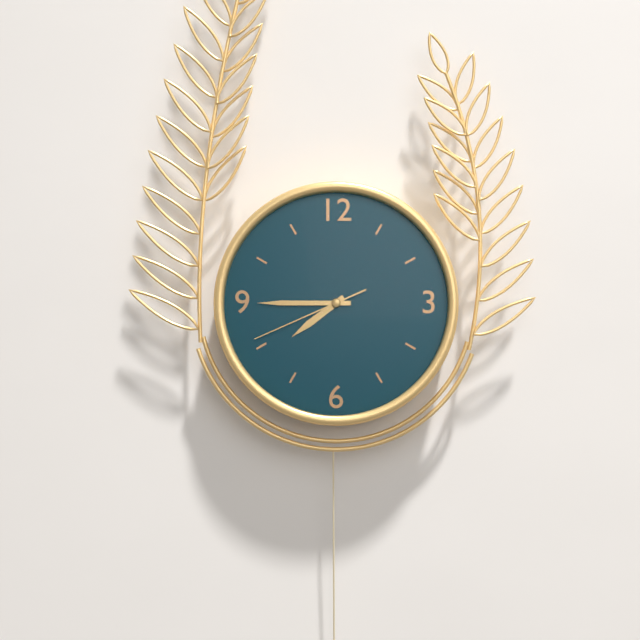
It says 7:45:41
